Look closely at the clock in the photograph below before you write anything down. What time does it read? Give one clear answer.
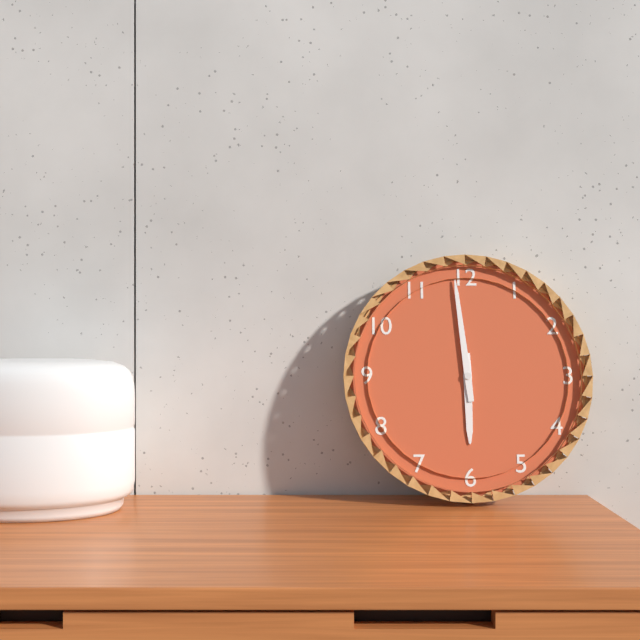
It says 5:59
